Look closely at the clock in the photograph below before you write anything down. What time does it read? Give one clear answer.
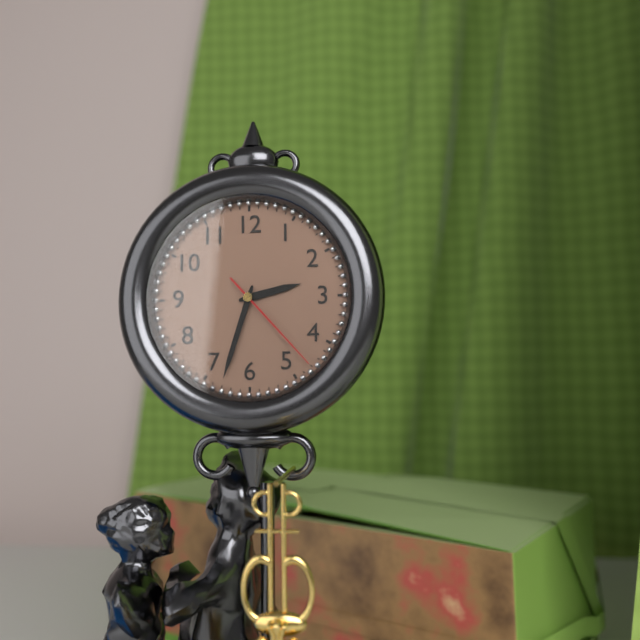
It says 2:33:23
